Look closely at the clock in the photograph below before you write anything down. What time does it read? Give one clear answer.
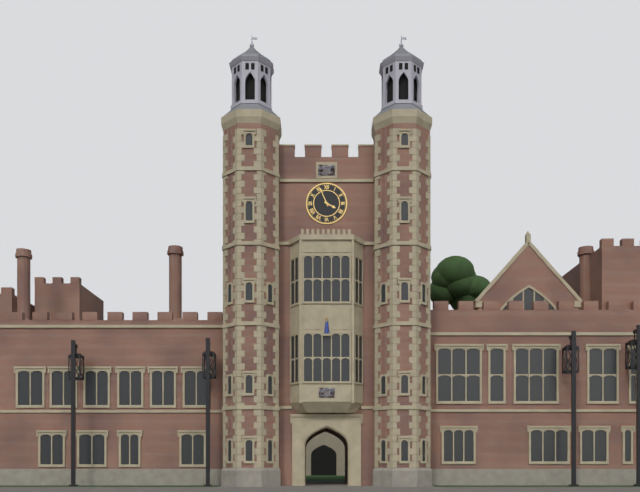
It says 3:56
